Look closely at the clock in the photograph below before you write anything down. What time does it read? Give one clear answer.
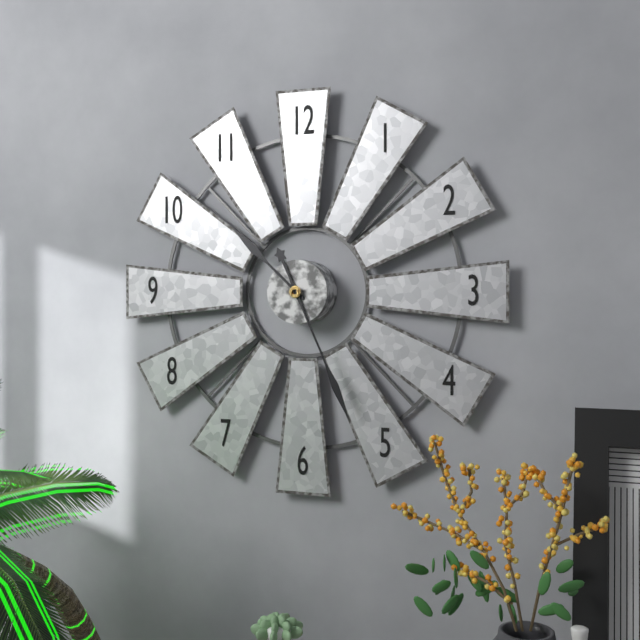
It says 10:26
